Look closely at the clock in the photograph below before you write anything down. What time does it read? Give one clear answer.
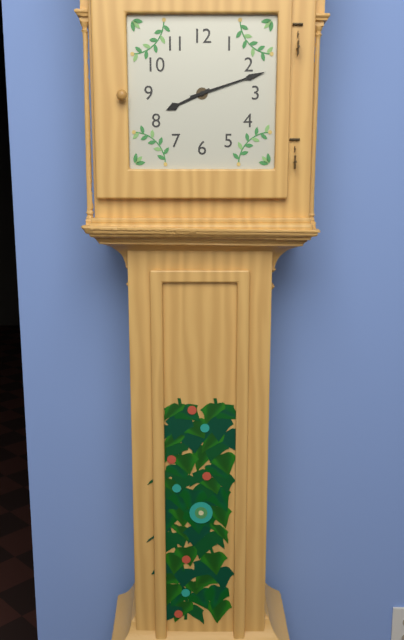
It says 8:12
